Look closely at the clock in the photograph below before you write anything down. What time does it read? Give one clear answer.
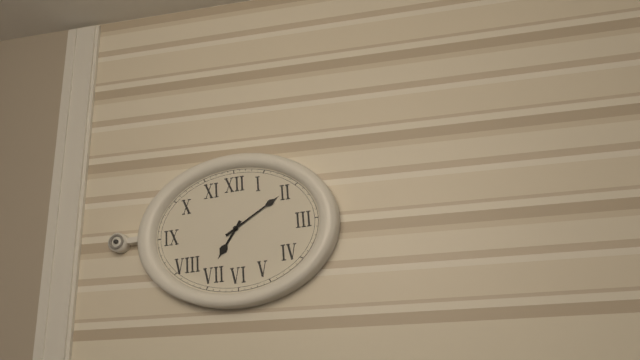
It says 7:10
